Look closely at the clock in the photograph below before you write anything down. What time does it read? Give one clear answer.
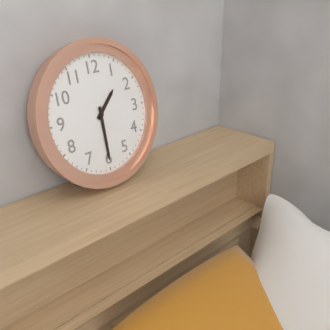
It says 1:30
